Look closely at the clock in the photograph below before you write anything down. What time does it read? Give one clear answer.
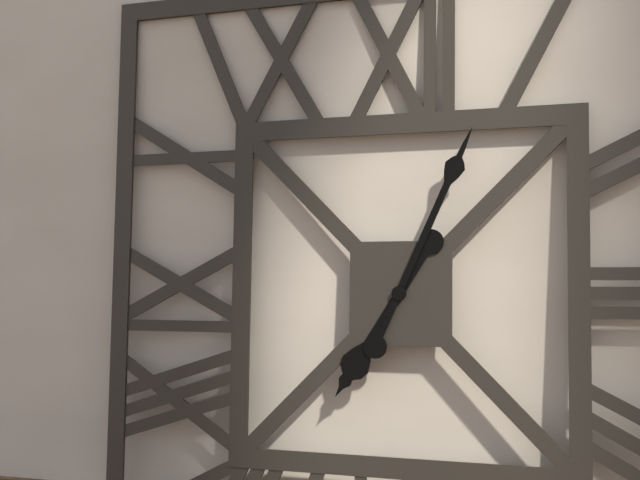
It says 7:04
